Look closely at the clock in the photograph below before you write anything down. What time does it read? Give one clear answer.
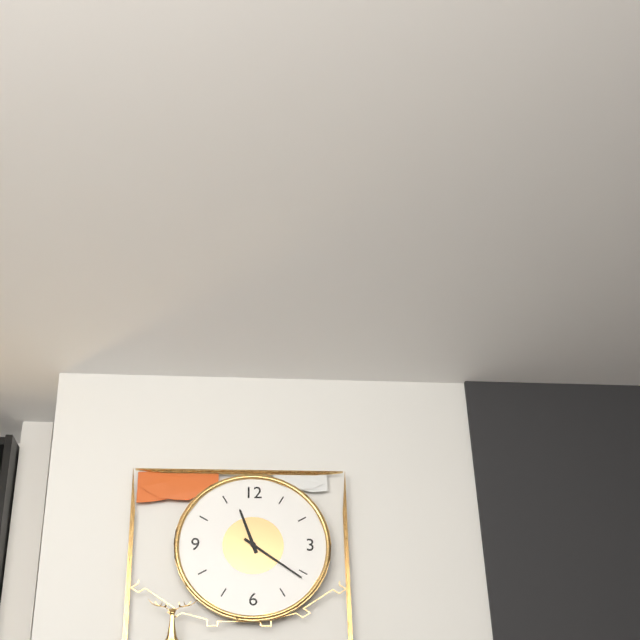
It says 11:21
